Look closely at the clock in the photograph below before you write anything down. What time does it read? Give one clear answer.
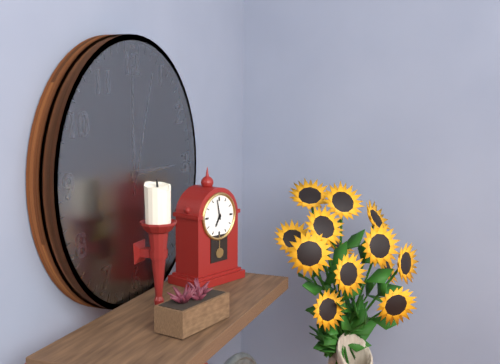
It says 6:58
